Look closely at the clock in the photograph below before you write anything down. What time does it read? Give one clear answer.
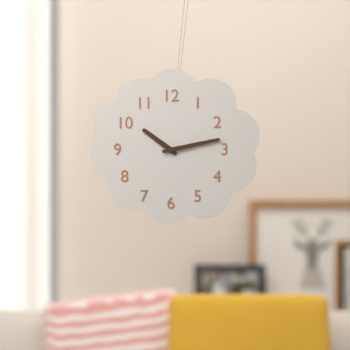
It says 10:13
